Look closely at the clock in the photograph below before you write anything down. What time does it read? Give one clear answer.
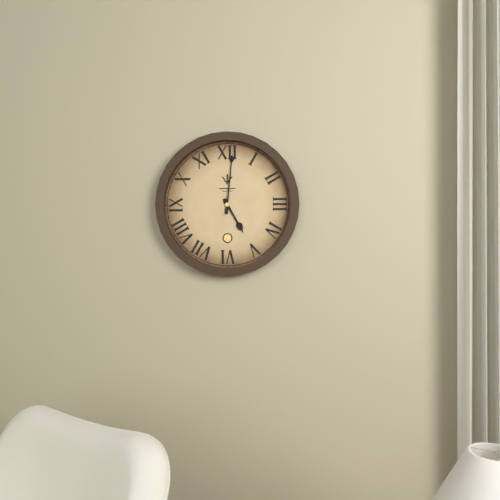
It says 5:01
